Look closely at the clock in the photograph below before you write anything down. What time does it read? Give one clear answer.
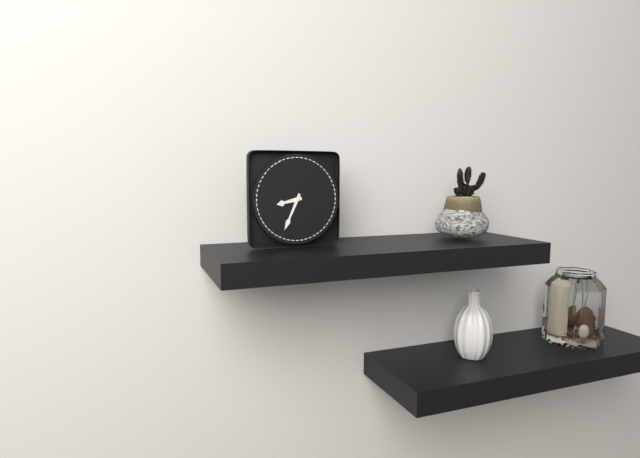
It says 8:34
